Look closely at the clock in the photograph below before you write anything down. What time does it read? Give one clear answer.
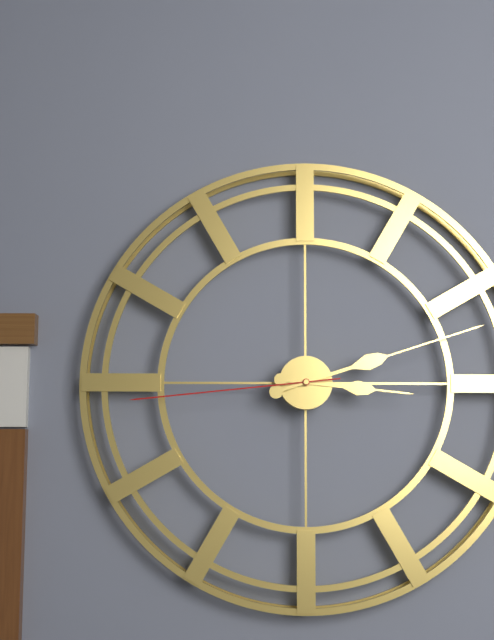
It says 3:12:44
